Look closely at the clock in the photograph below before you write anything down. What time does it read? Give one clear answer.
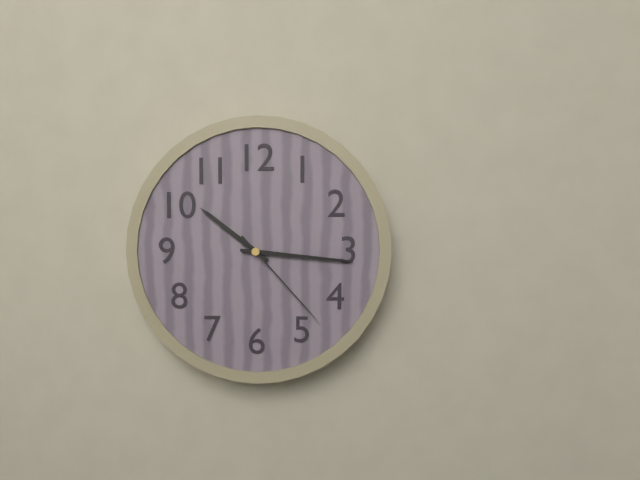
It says 10:16:23
